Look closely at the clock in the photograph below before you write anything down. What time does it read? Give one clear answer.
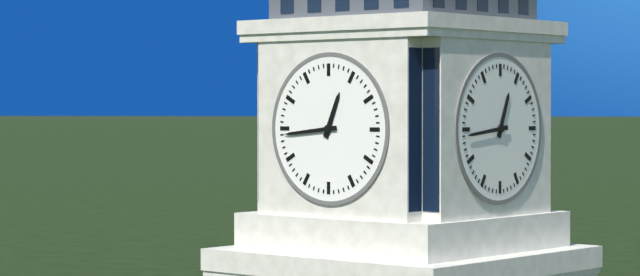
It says 12:44
